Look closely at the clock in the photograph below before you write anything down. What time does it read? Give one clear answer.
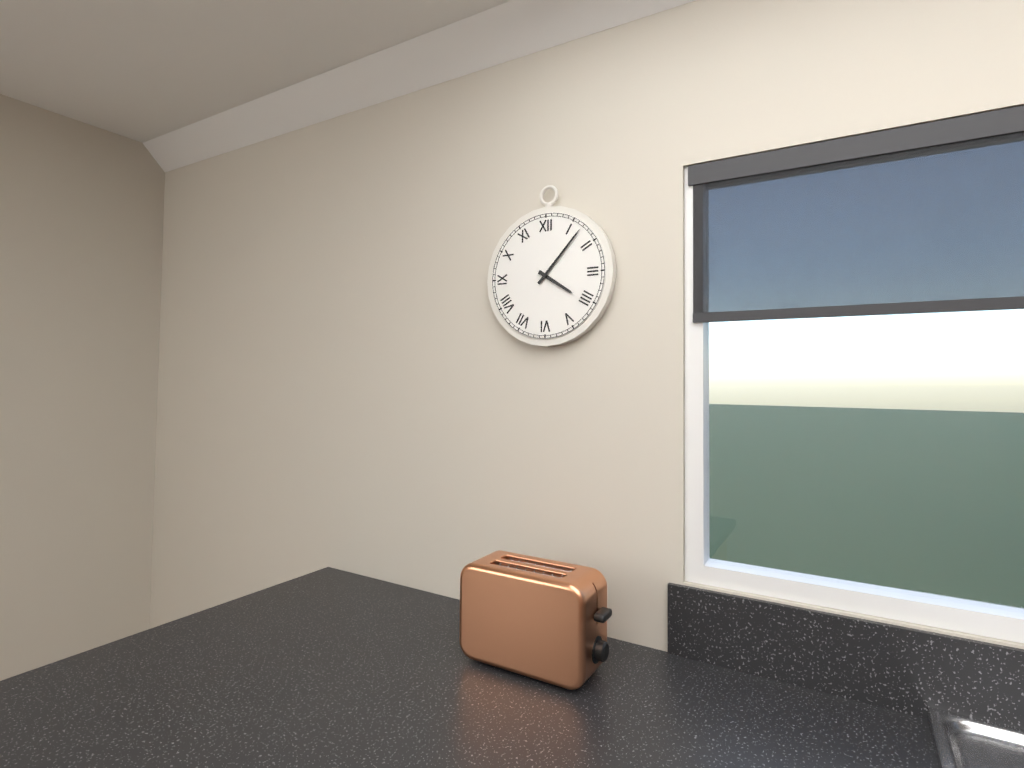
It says 4:07
